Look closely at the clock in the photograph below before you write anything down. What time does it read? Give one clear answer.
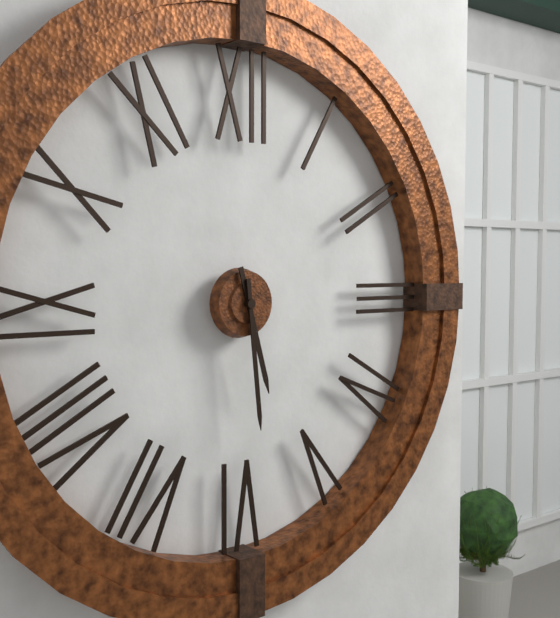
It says 5:29
